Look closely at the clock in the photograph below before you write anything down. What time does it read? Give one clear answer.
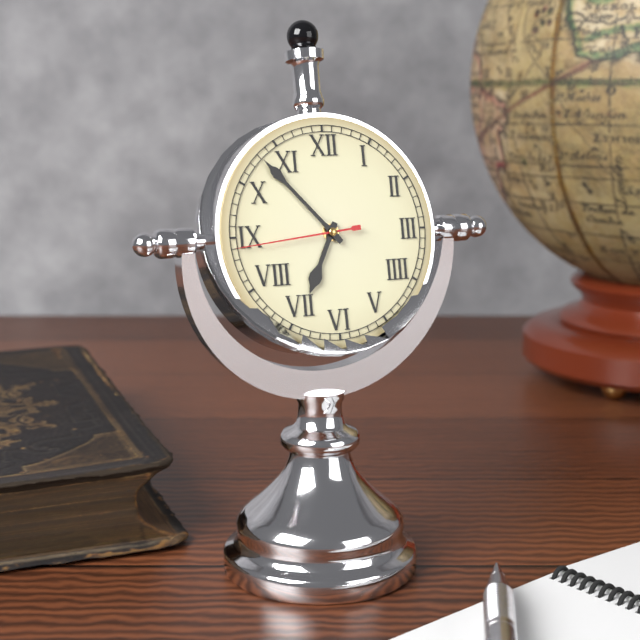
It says 6:53:44
